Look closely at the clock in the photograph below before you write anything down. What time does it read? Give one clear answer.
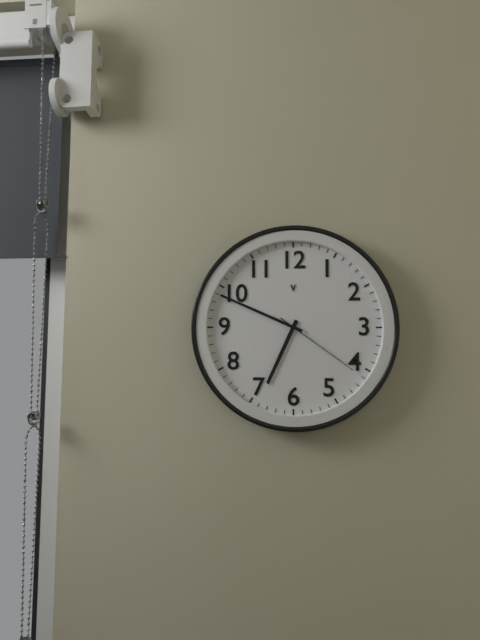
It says 6:49:21
